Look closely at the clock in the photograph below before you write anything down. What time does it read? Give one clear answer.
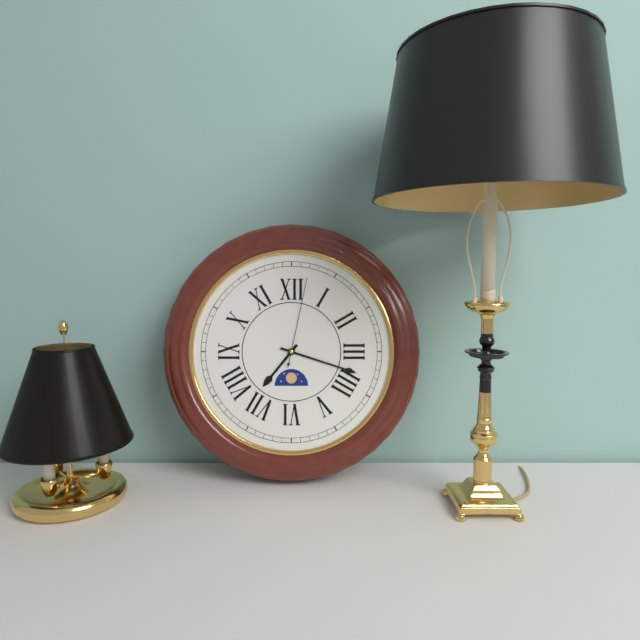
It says 7:18:02
